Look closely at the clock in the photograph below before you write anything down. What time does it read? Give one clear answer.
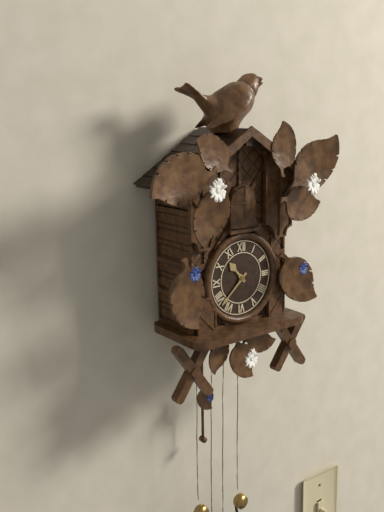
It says 10:38
